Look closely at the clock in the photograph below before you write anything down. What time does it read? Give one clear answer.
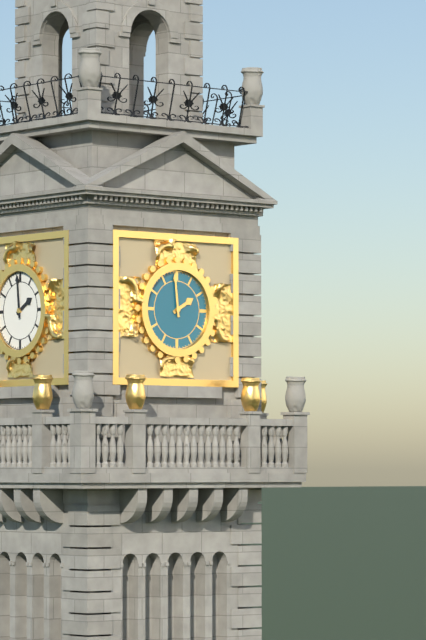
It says 1:59
